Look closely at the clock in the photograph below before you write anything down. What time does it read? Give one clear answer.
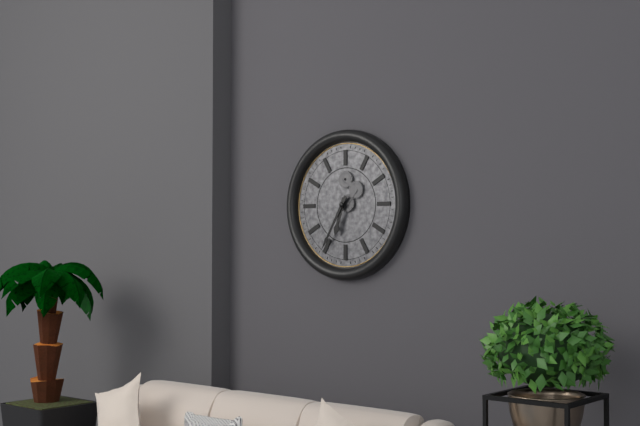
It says 6:35
